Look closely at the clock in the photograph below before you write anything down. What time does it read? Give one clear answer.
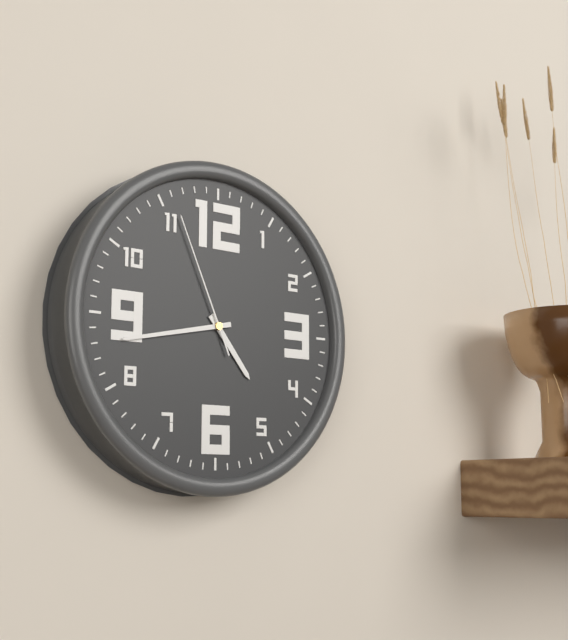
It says 4:43:56
